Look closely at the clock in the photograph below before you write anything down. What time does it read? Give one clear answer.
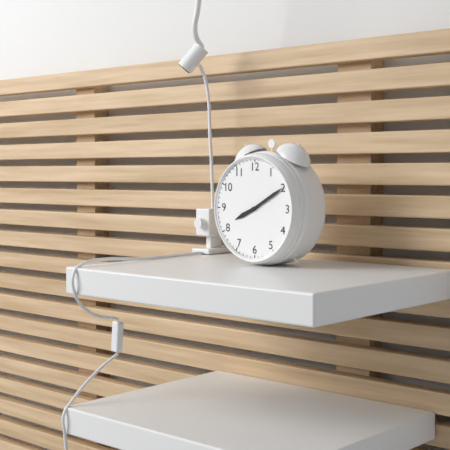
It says 8:10
